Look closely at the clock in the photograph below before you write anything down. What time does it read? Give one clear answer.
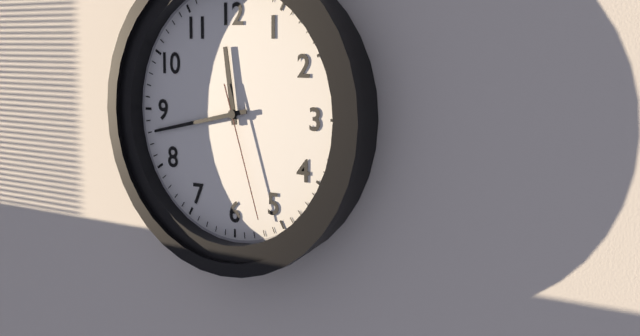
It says 11:43:27
